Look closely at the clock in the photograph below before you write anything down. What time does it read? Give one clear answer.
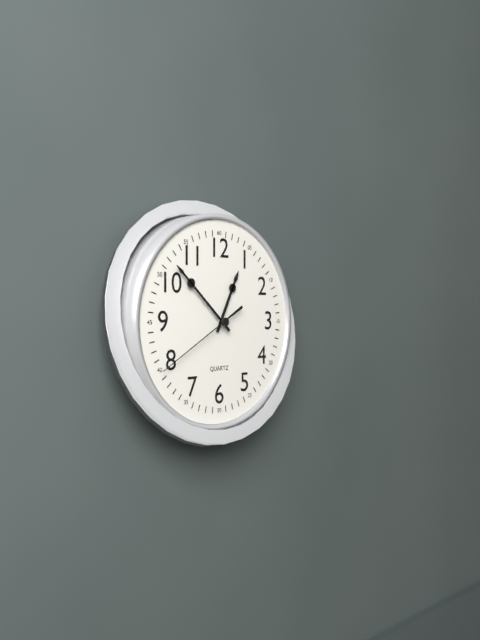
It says 12:52:40
